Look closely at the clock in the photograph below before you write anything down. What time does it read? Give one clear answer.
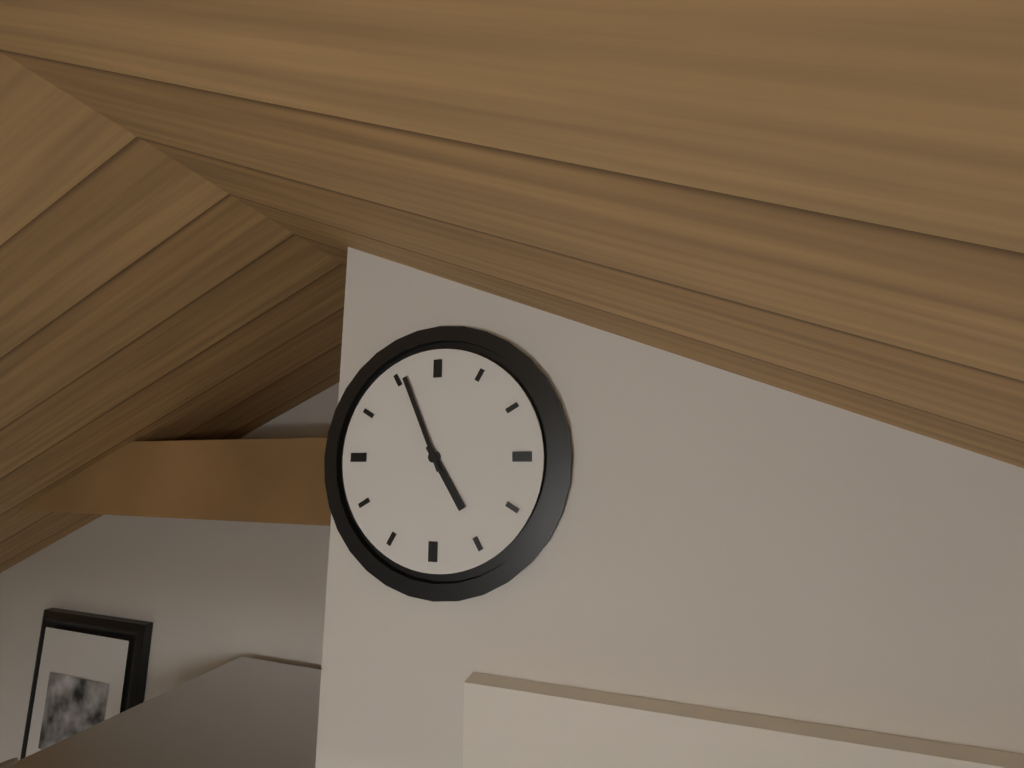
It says 4:56
